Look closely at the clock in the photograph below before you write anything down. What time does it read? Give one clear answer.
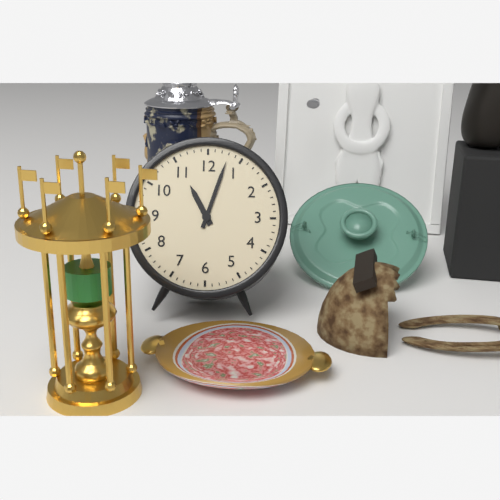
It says 11:03
